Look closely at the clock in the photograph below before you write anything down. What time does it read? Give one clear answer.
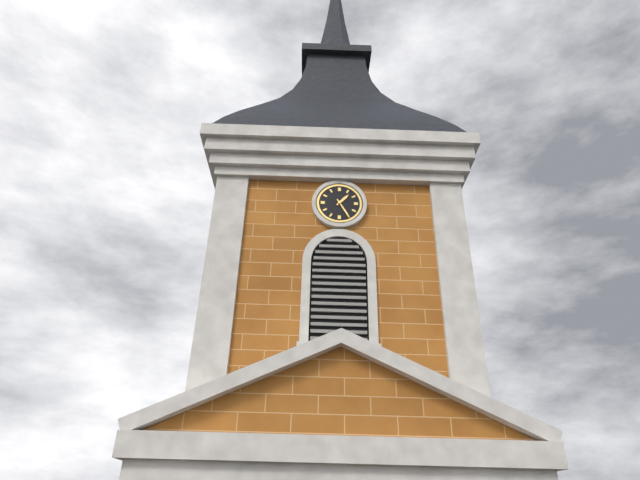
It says 1:25
